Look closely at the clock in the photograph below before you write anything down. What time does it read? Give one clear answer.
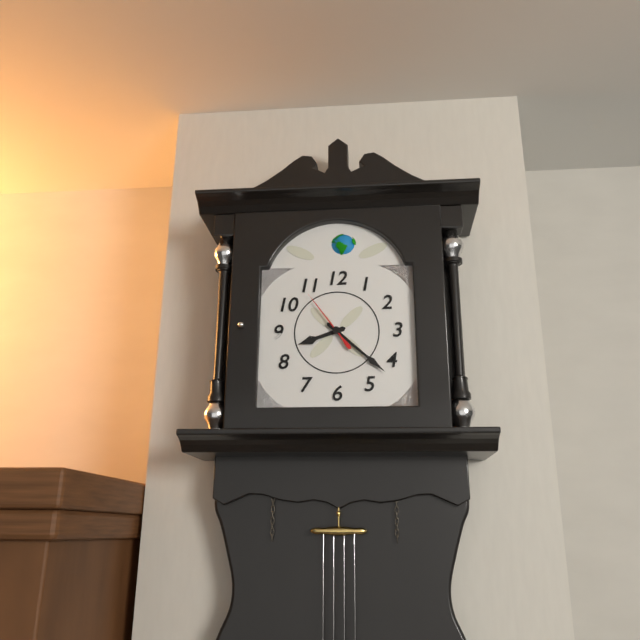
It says 8:22:54
